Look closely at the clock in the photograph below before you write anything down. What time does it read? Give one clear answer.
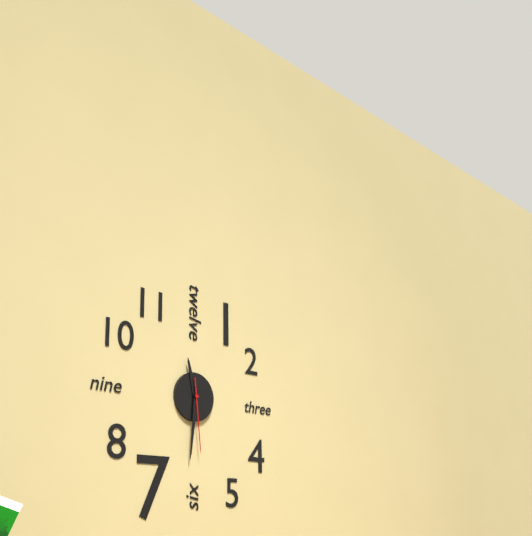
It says 11:31:29
